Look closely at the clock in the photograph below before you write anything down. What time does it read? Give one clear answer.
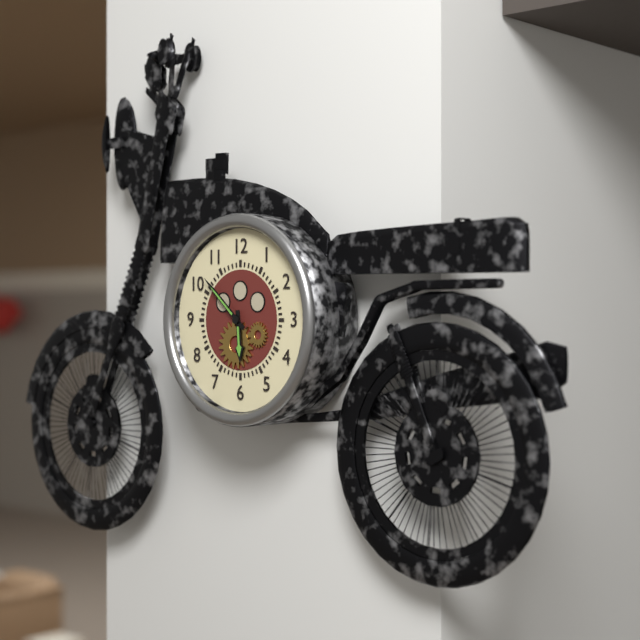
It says 5:52
